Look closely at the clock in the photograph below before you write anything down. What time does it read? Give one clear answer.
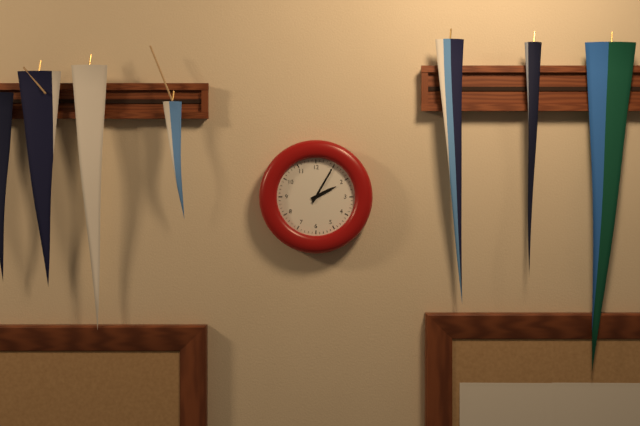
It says 2:05
